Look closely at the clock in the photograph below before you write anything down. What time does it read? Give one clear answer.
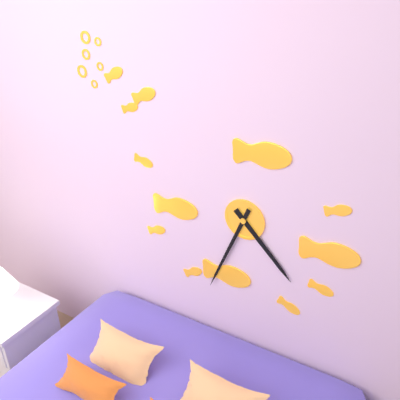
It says 4:34
